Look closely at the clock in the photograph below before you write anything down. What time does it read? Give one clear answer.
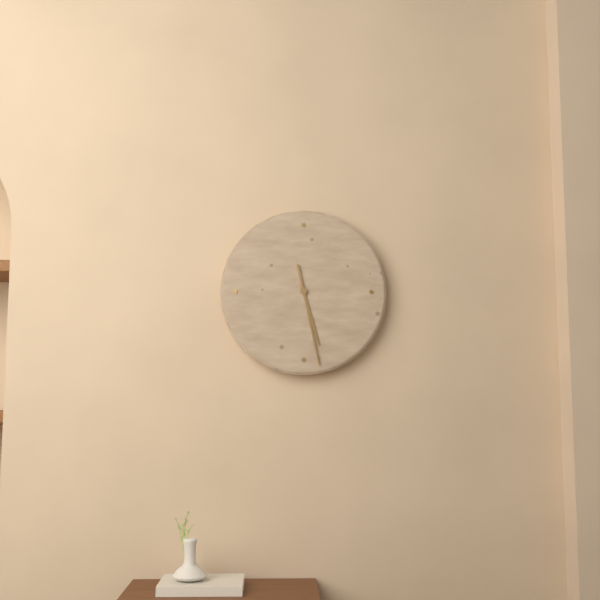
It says 5:28
